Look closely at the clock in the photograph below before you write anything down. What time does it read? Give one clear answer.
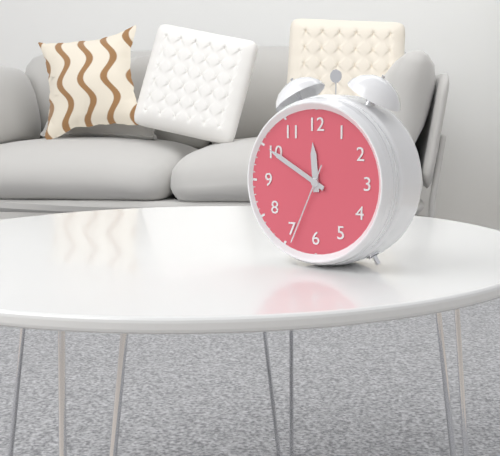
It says 11:50:34
